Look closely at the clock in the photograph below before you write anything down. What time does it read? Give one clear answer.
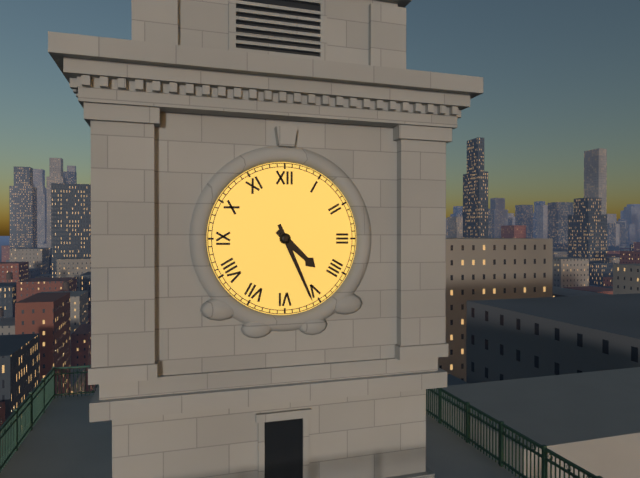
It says 4:26
